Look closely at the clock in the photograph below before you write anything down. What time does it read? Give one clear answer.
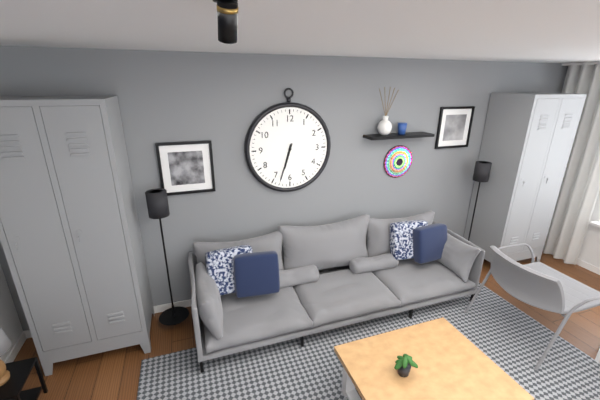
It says 6:33
